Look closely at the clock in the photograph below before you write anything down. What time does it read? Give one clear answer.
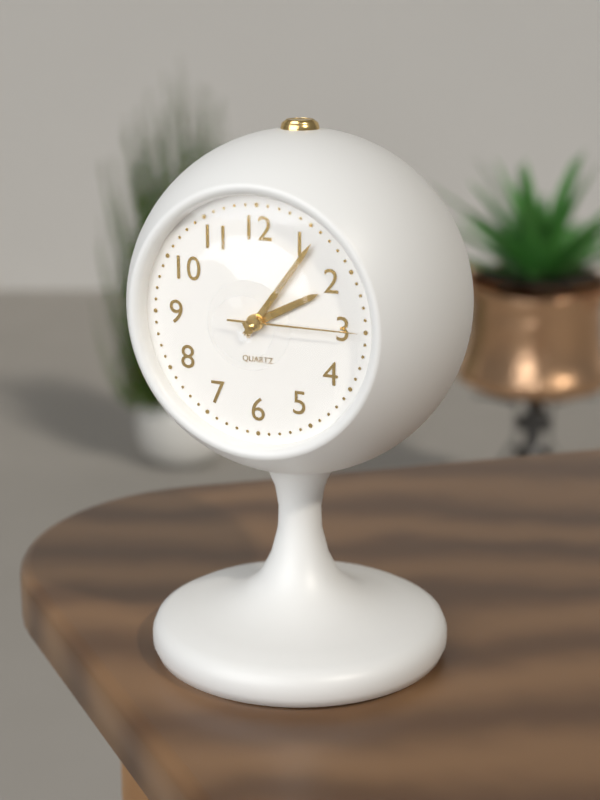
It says 2:06:15
